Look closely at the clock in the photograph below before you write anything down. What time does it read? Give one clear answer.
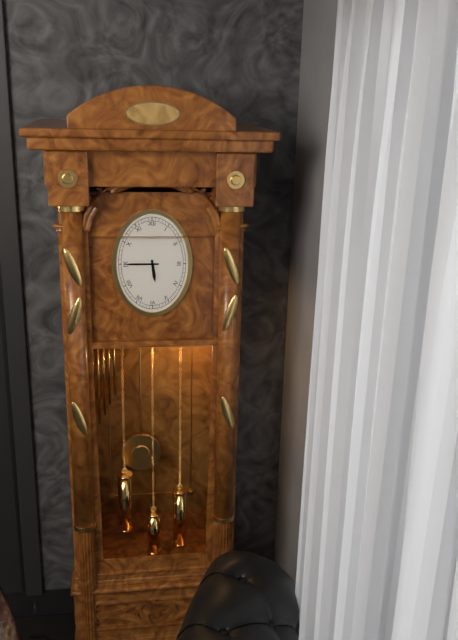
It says 5:45
